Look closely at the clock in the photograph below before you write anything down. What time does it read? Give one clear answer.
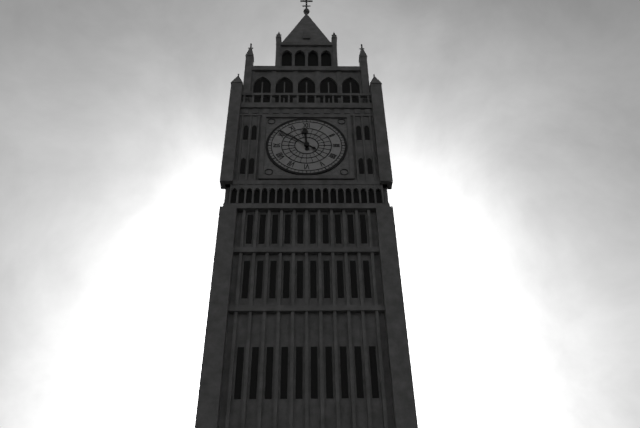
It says 11:51
